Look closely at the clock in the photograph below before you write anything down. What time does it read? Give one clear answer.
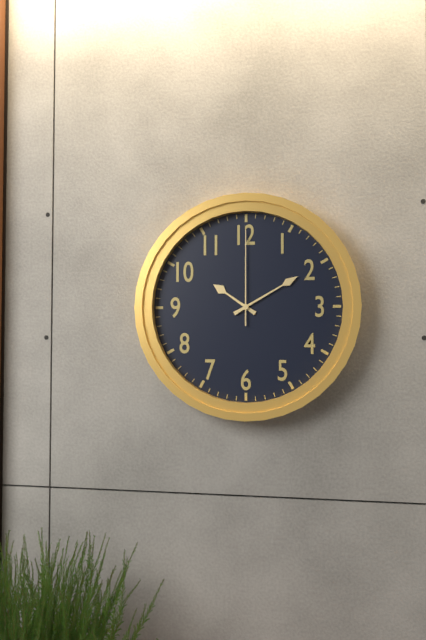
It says 10:10:00
